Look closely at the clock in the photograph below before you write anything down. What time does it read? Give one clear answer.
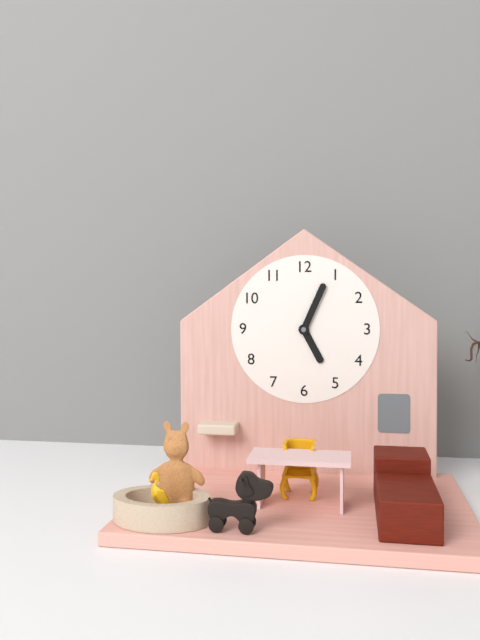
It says 5:04
